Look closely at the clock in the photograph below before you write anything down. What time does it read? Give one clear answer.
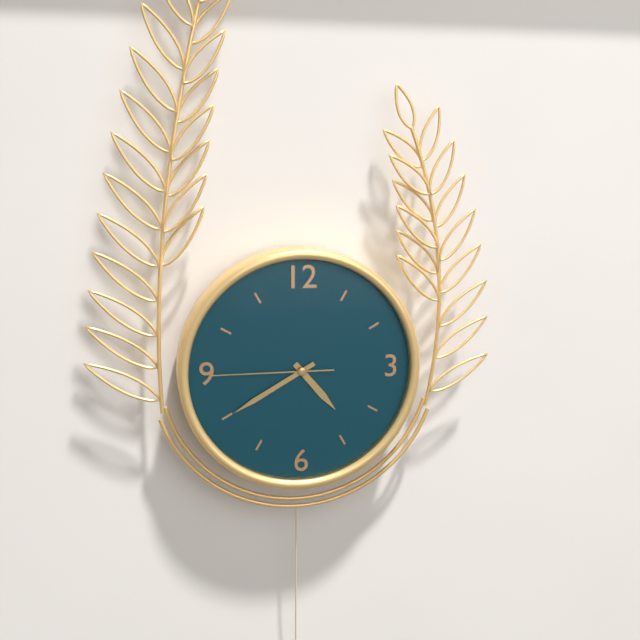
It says 4:40:45
